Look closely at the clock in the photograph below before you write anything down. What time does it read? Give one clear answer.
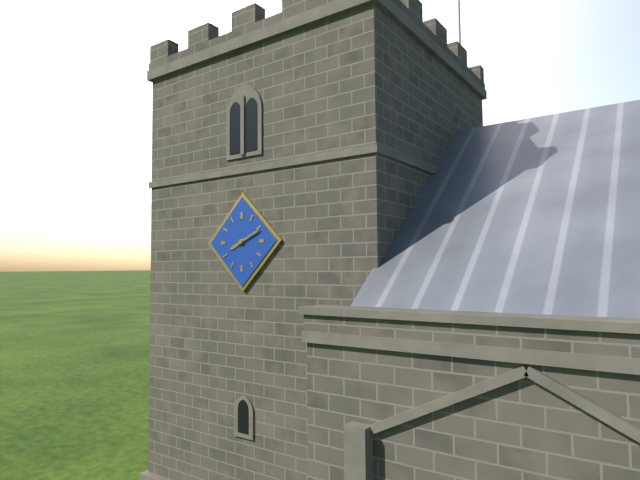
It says 8:11
